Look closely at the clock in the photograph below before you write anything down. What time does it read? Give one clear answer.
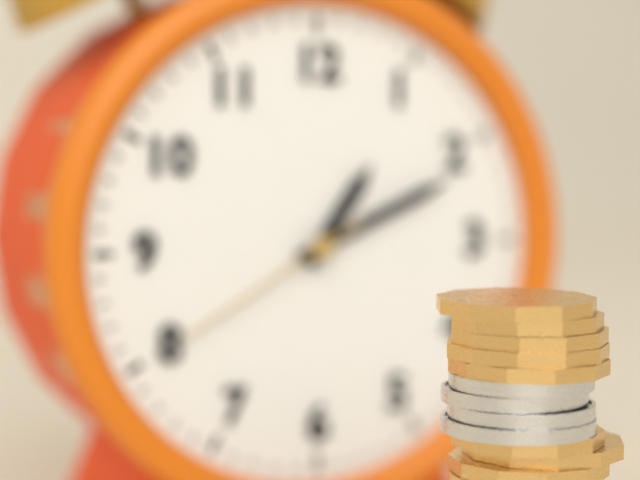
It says 1:11:40
